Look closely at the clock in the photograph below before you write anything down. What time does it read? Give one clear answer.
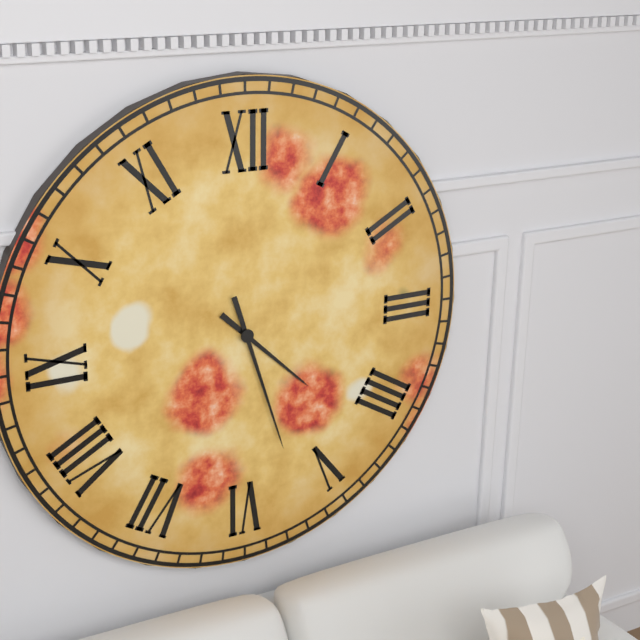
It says 4:27
